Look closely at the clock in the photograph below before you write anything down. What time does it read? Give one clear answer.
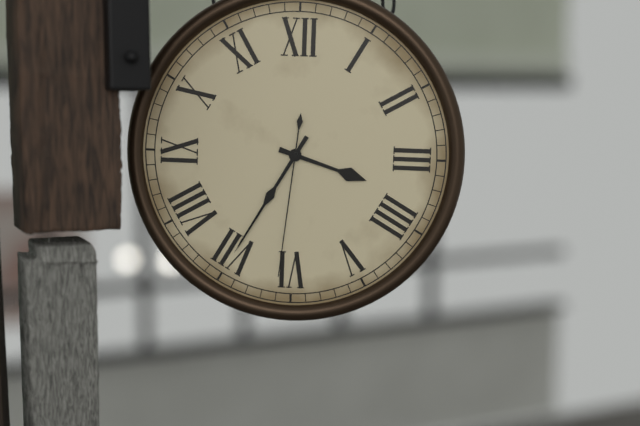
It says 3:35:31
